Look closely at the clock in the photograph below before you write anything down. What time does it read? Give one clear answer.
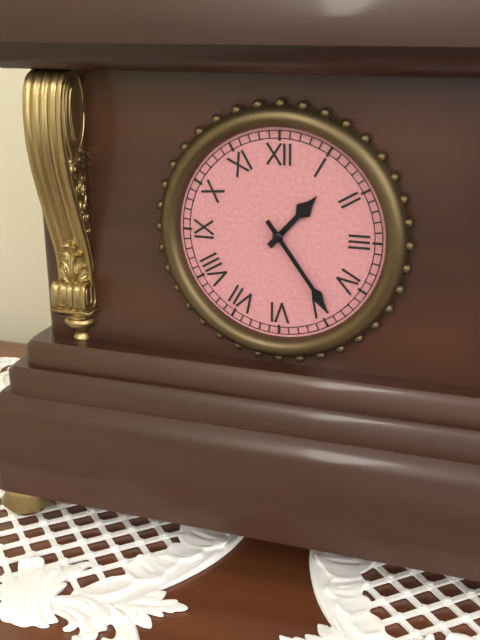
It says 1:24
